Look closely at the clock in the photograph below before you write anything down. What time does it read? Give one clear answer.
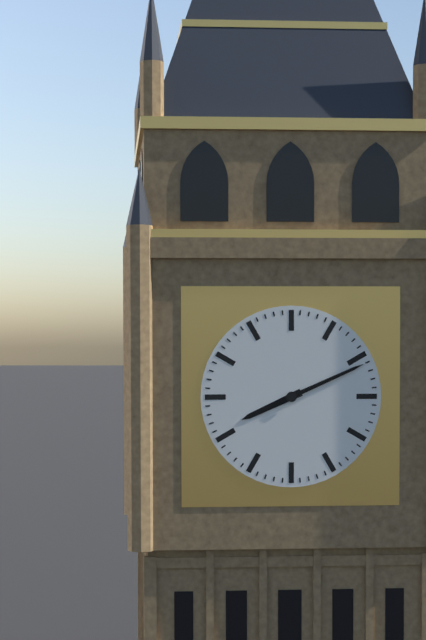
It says 8:11
